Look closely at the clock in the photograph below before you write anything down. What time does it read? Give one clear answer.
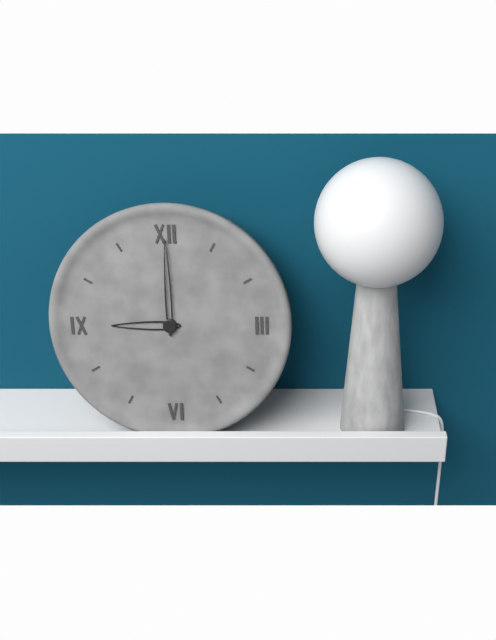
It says 9:00
